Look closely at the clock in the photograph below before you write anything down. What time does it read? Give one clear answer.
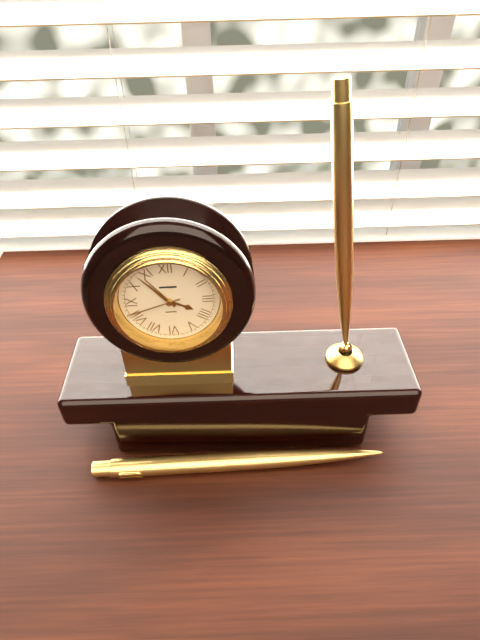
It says 3:53:42
